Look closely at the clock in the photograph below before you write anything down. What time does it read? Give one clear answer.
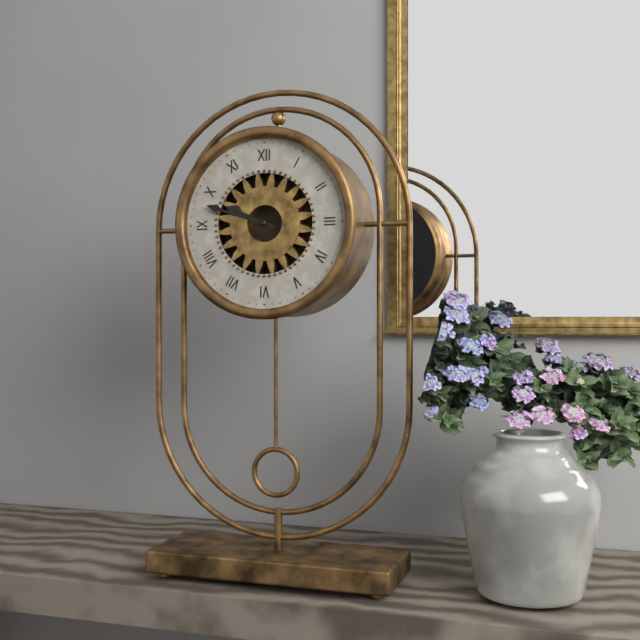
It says 9:48
